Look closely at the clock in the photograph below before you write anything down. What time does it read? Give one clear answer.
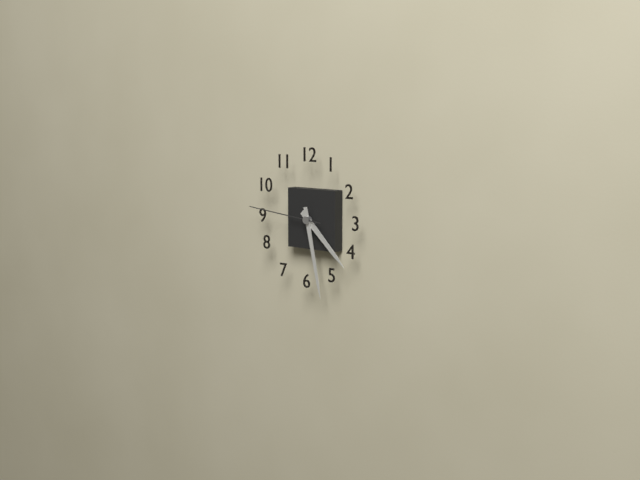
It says 4:28:46
